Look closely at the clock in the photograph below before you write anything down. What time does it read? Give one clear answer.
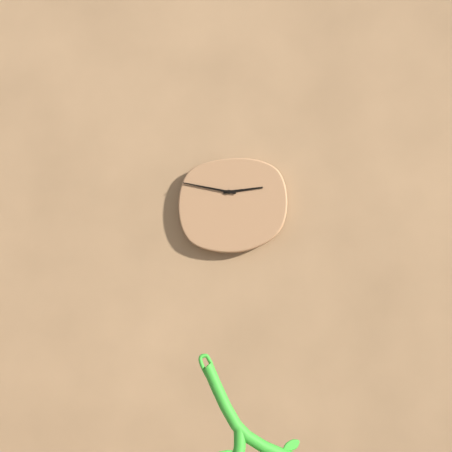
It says 2:47
